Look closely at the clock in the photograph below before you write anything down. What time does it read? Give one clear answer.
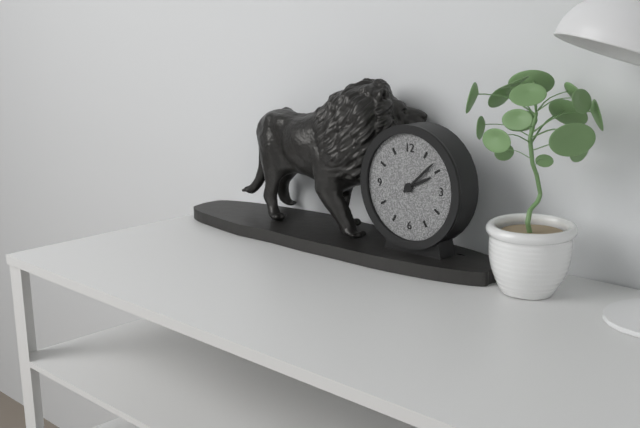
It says 2:08
